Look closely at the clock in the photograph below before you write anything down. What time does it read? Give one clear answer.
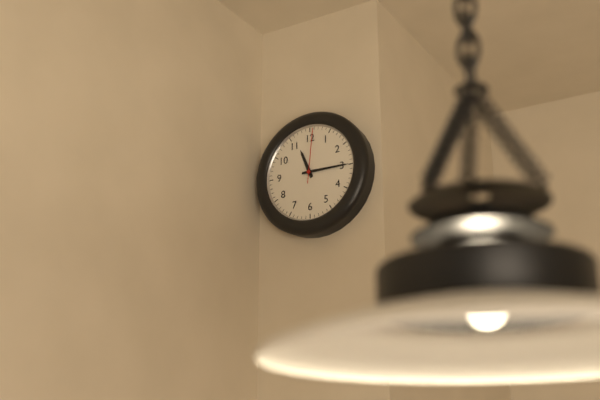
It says 11:15:01
